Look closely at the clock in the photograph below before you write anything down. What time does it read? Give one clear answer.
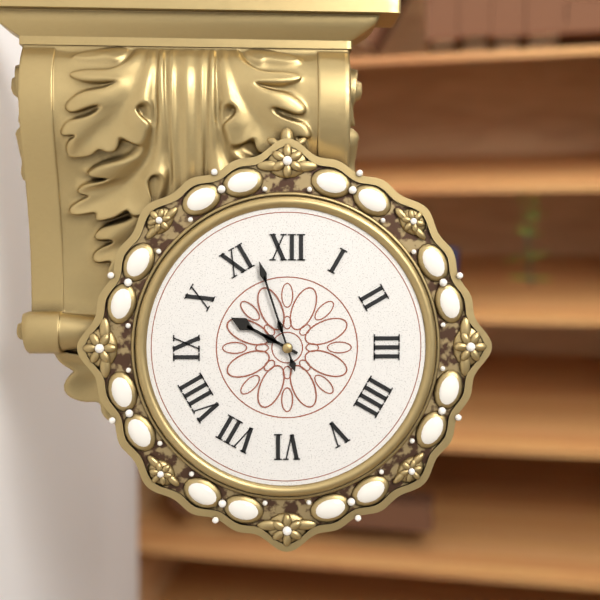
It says 9:57
